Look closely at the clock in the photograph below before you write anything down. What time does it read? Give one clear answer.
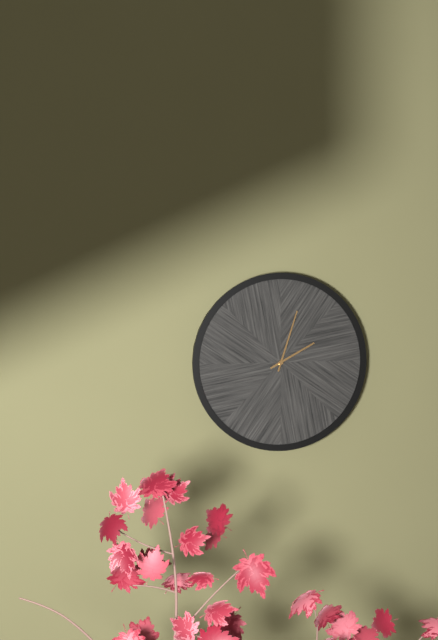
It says 2:03
